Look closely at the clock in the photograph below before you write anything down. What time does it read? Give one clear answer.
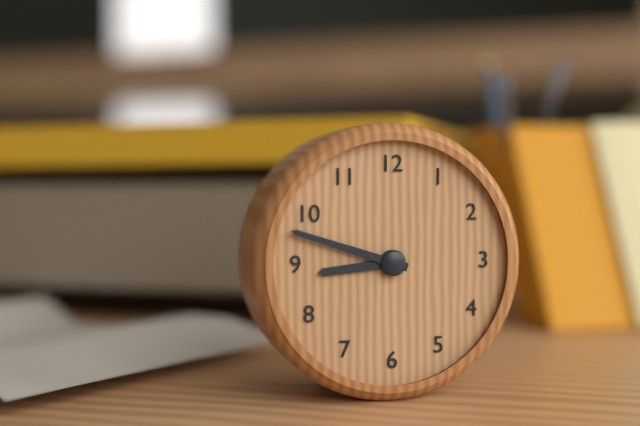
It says 8:48
